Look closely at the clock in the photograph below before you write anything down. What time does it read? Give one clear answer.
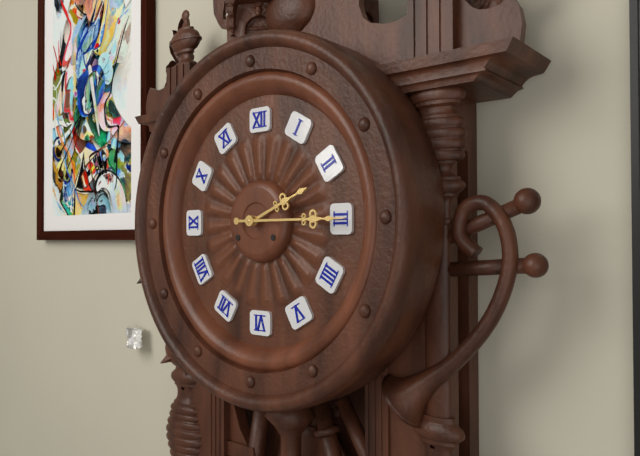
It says 2:15
